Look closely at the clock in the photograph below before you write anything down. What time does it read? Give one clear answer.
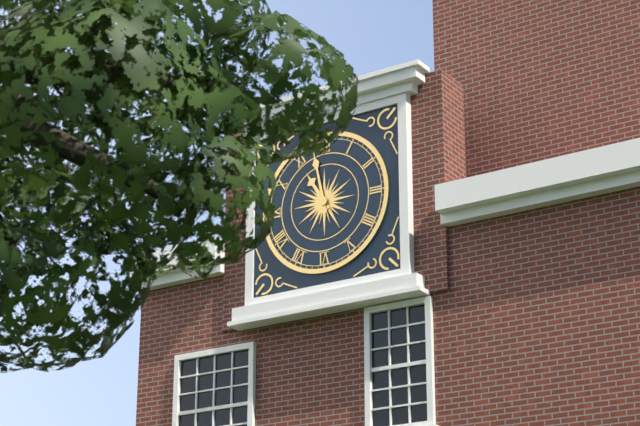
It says 10:58
